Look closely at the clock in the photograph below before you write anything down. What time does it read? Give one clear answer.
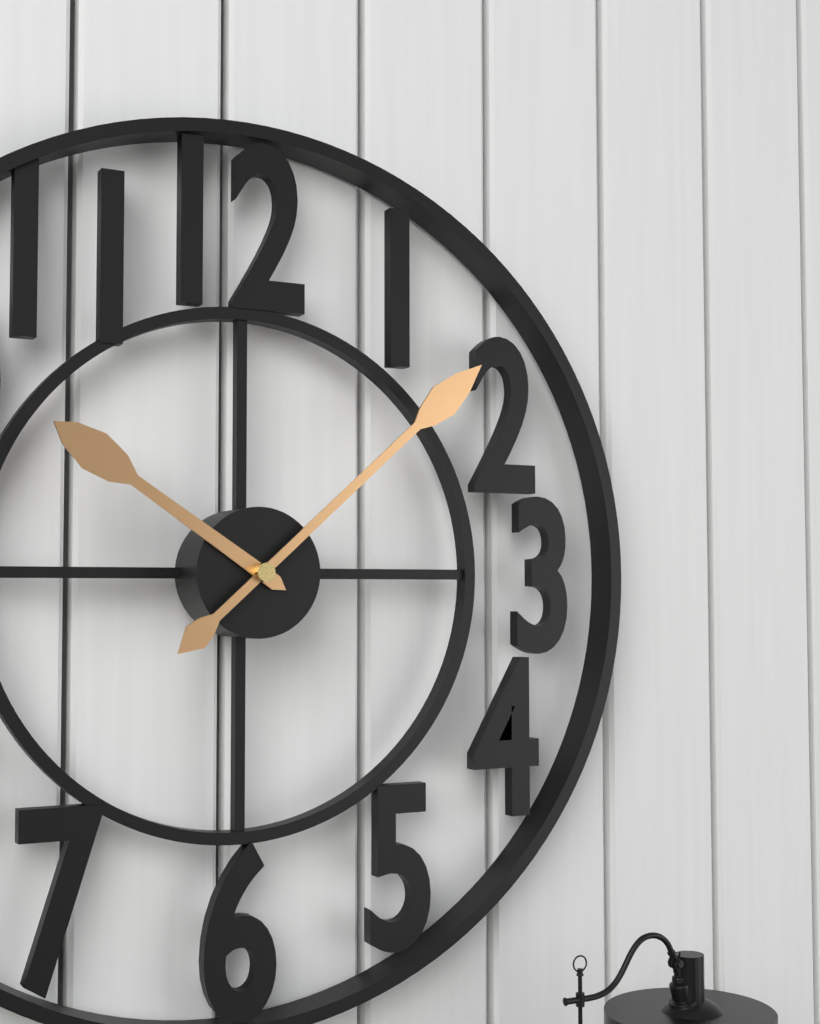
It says 10:08
